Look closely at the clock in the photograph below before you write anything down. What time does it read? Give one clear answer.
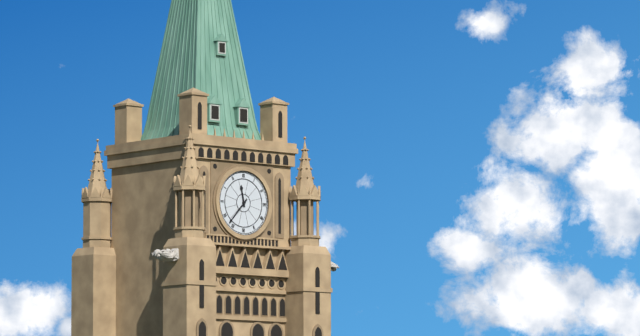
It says 11:37
